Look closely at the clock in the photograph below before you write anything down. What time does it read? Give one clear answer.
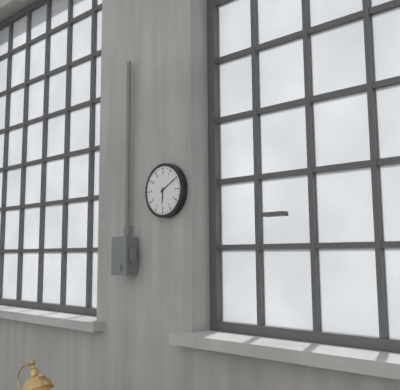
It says 6:10
